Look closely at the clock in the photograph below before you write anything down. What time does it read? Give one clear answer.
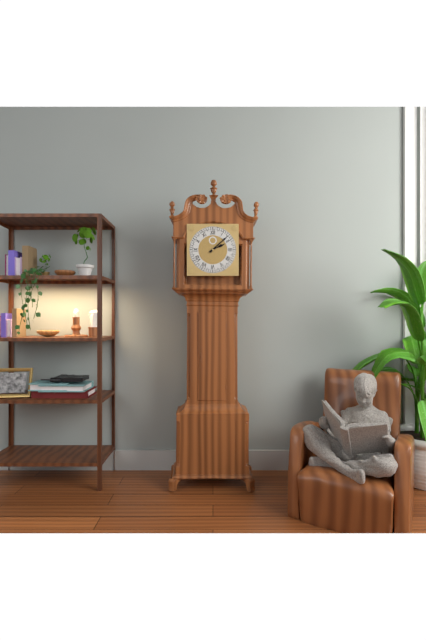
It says 2:08
